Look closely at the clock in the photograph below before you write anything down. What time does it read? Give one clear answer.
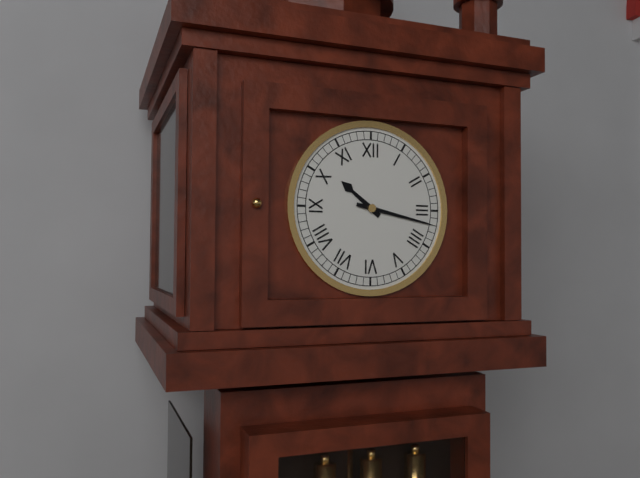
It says 10:17
